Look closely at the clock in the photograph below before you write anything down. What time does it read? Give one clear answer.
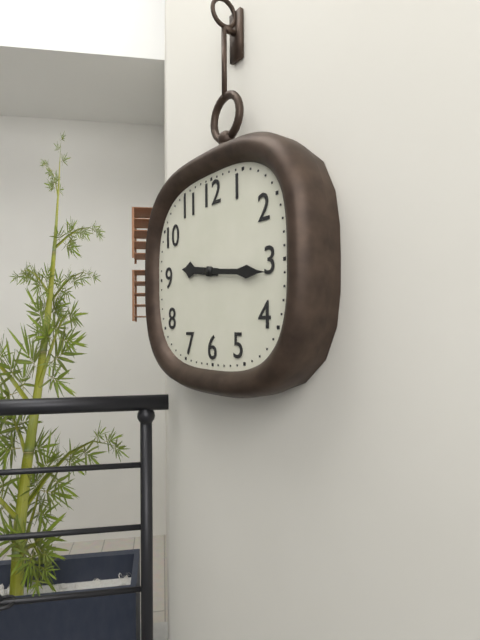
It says 9:16
